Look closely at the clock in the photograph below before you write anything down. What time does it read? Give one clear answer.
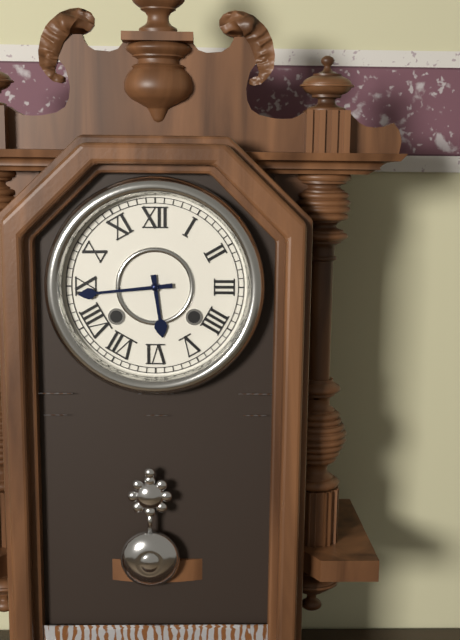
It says 5:44
